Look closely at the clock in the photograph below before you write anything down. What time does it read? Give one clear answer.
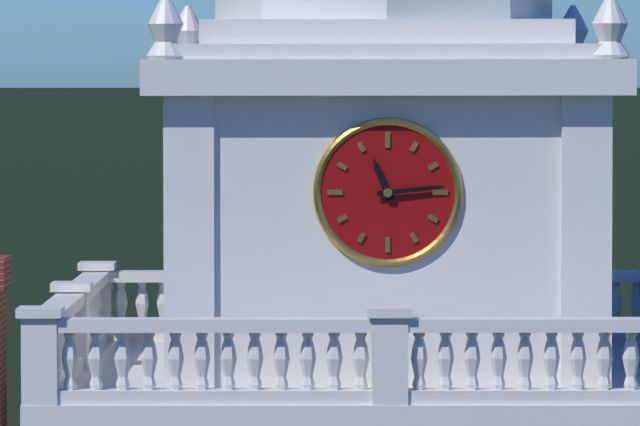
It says 11:14
